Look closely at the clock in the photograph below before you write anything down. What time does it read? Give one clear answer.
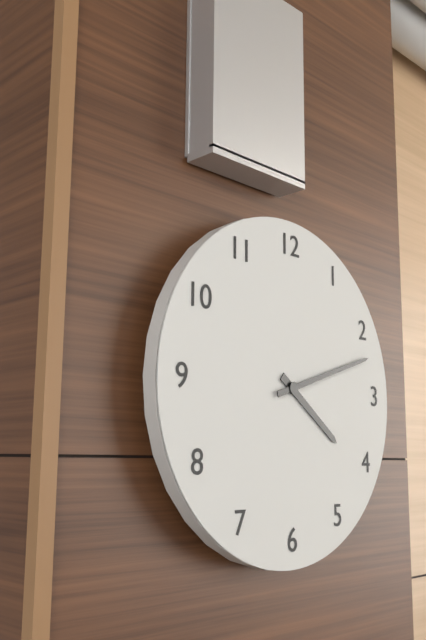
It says 4:12
